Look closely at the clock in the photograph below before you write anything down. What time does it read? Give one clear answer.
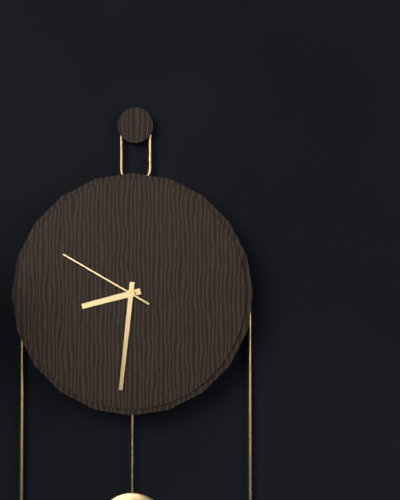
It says 8:31:50
